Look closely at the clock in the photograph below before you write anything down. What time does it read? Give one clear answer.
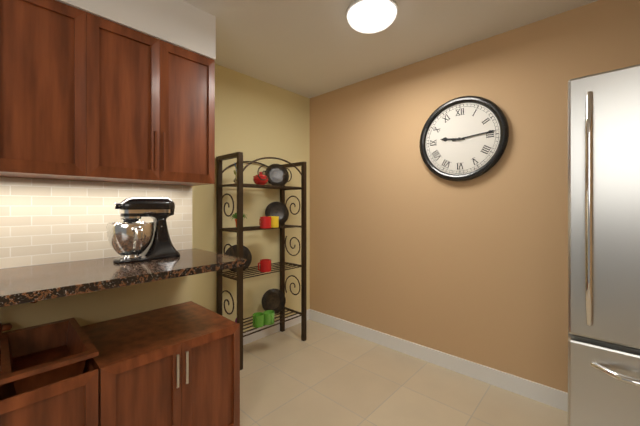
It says 9:14
